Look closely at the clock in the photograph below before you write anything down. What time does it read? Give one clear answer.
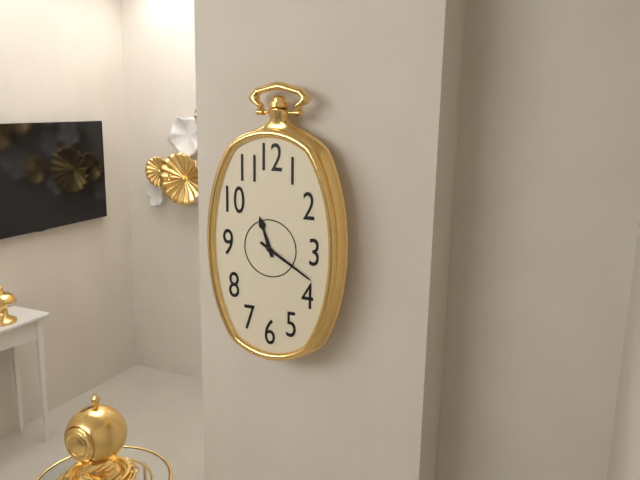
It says 11:20
